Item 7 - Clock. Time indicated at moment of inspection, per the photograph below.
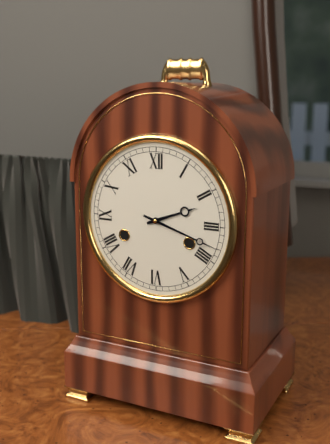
2:18
